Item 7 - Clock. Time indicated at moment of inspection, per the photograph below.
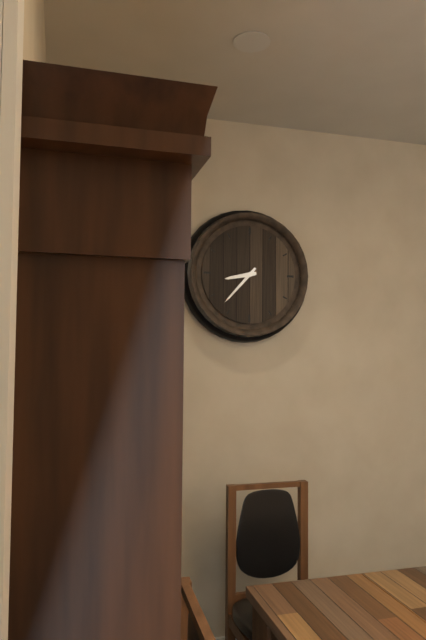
8:37
